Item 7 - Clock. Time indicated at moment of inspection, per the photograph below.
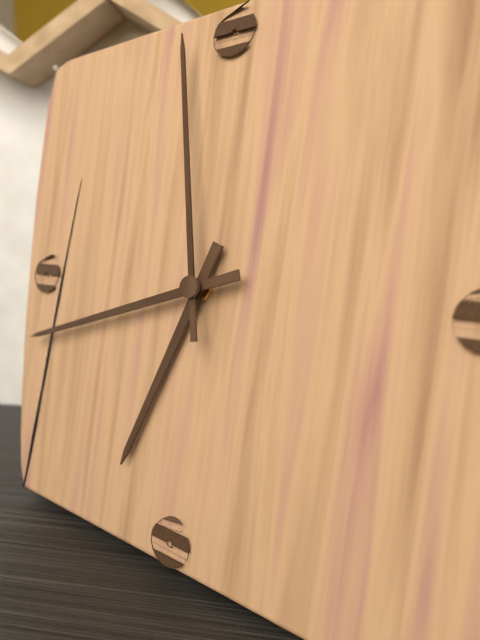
6:42:58
